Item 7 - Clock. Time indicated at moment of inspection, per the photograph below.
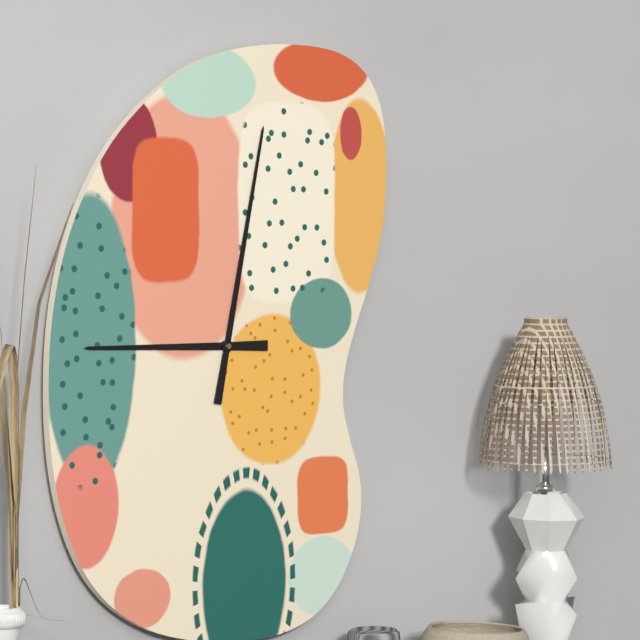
9:02
